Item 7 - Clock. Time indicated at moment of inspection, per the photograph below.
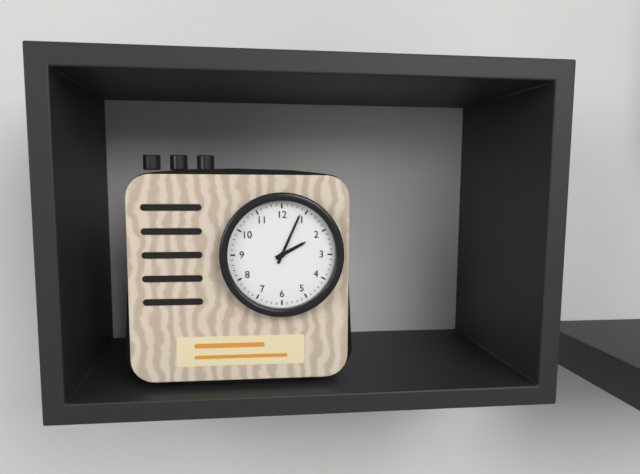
2:04
